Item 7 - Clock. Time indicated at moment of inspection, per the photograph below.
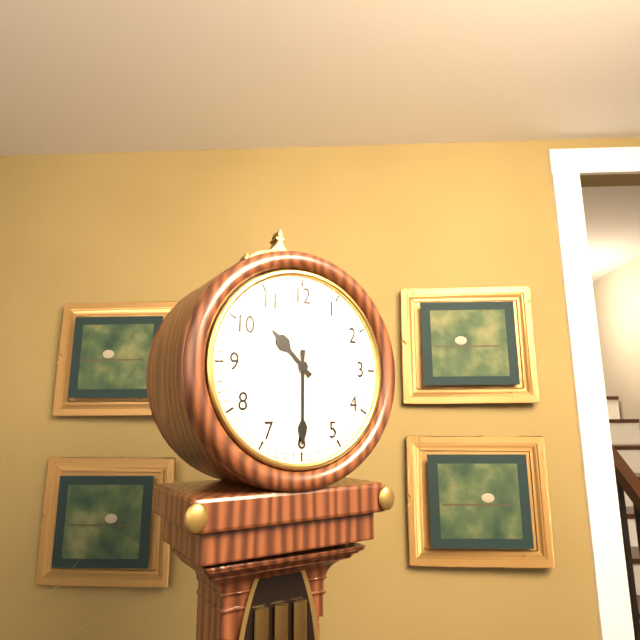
10:30
